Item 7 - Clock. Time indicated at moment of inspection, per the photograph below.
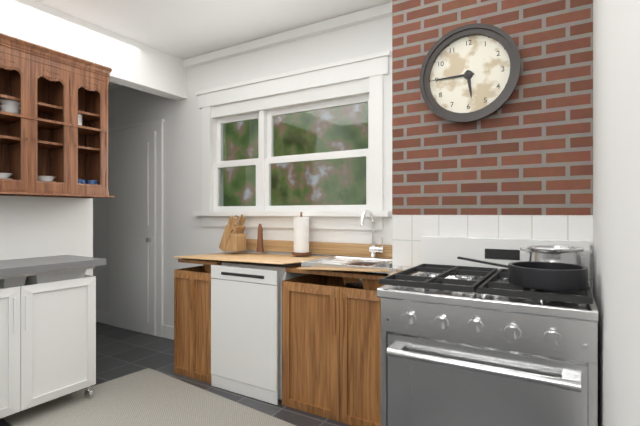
5:45
